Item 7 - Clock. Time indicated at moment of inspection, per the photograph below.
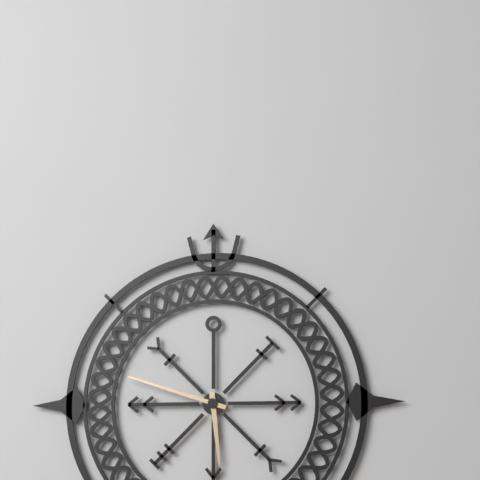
5:48
